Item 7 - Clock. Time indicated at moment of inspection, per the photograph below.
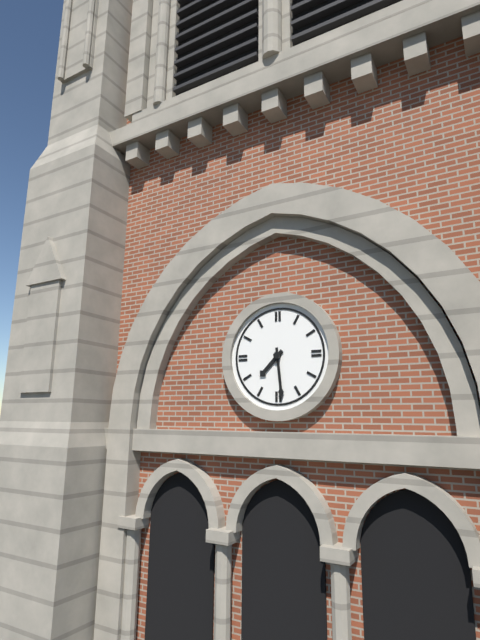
7:29
